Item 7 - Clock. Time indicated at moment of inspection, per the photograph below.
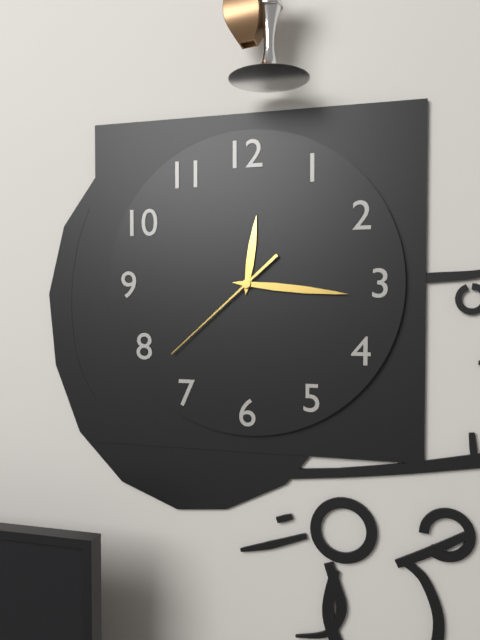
12:16:38
